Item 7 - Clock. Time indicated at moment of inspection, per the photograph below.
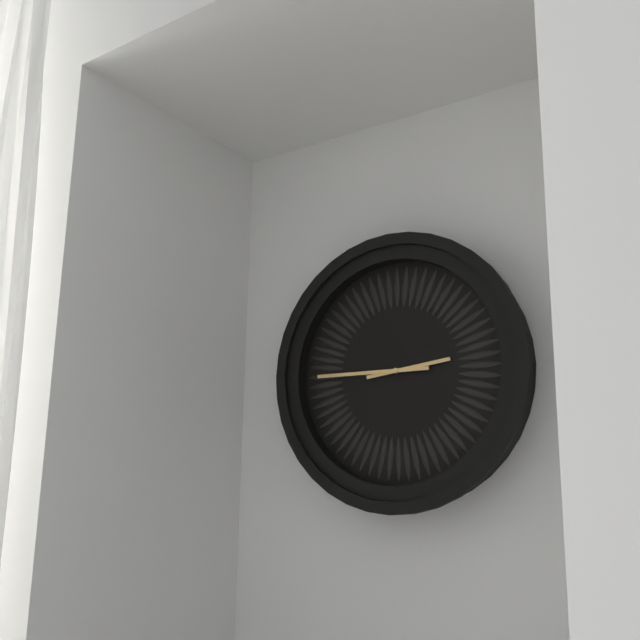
2:45
